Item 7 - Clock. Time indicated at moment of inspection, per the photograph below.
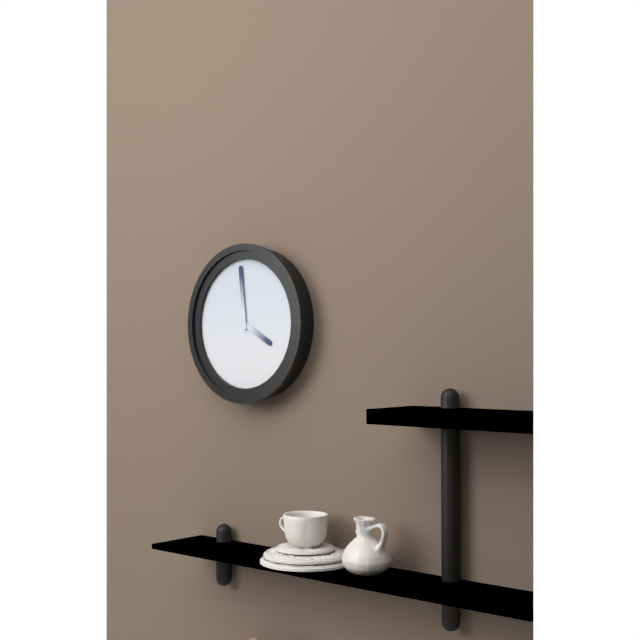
3:59
